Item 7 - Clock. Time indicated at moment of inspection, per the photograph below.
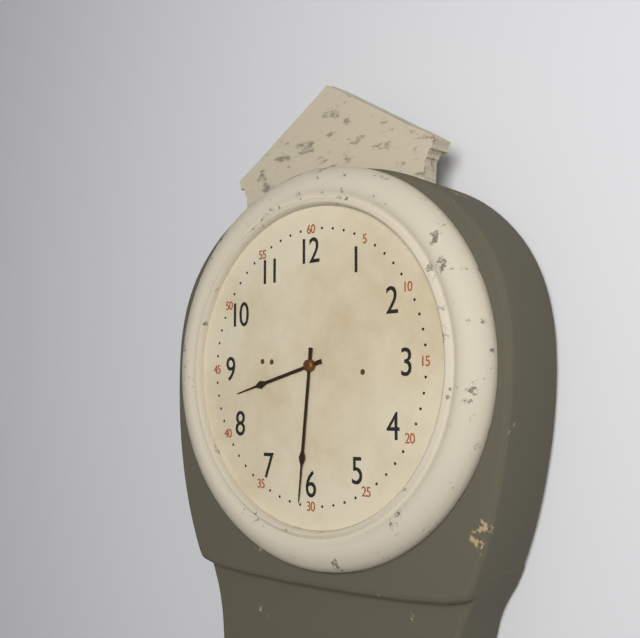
8:31
